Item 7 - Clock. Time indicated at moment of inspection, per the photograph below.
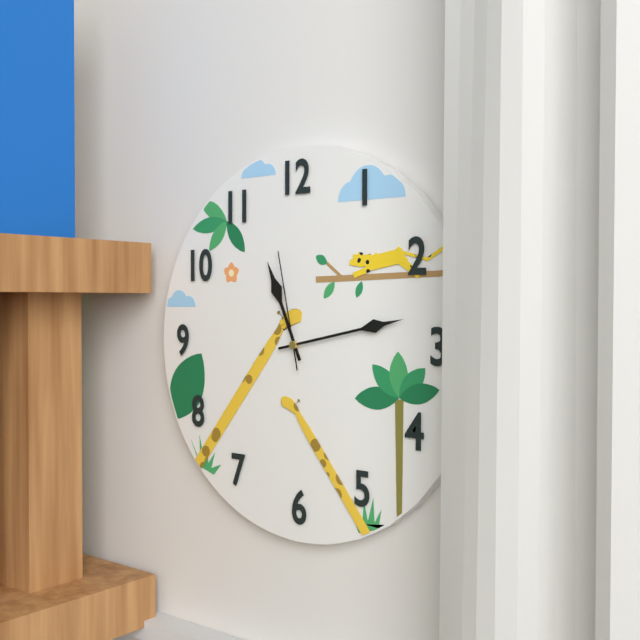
11:13:58
